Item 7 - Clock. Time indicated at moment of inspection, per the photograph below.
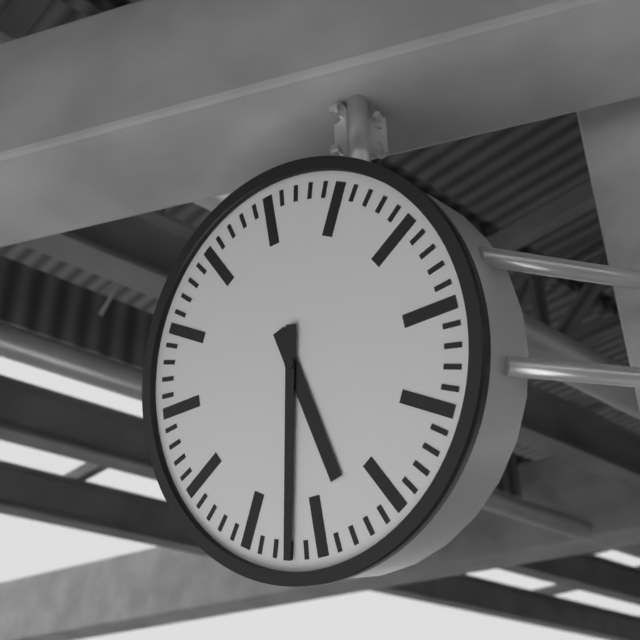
5:32
